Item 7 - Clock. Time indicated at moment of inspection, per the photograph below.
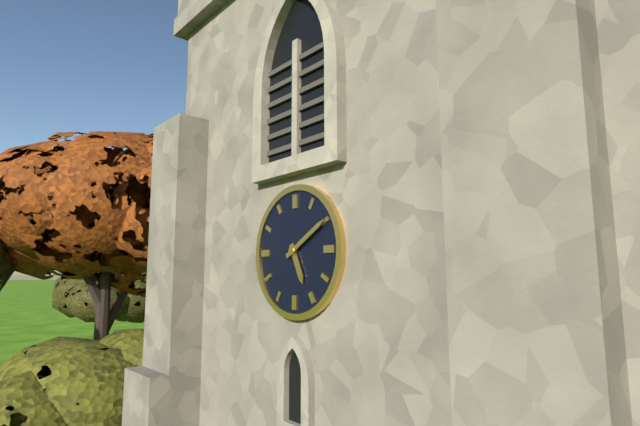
5:10
